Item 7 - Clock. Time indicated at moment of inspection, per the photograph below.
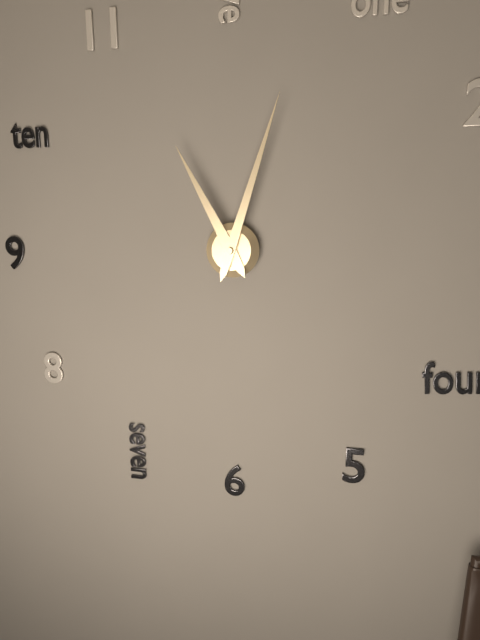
11:03
